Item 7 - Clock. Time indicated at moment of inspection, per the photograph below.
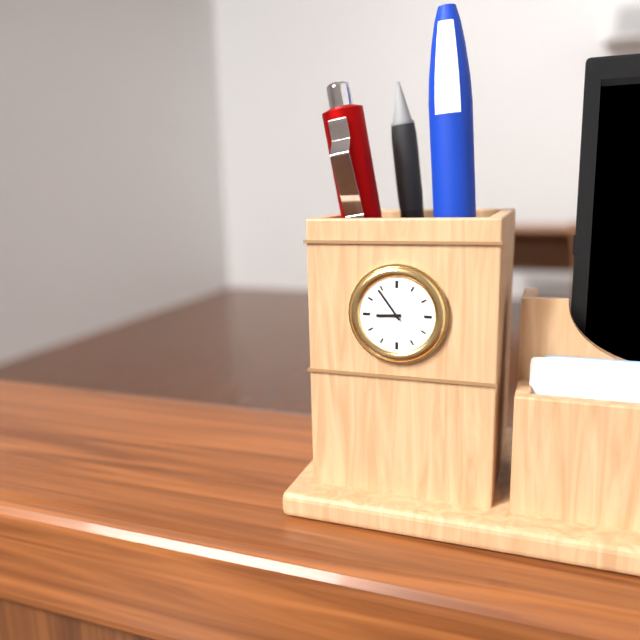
8:54
